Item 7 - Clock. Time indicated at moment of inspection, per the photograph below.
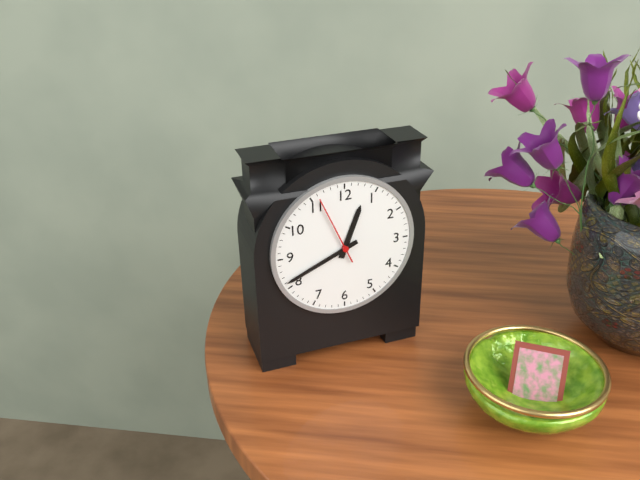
12:41:56
